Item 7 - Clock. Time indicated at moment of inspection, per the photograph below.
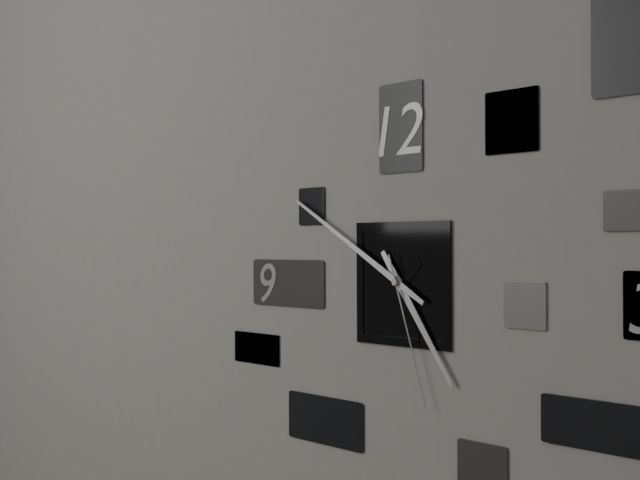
4:50:27
